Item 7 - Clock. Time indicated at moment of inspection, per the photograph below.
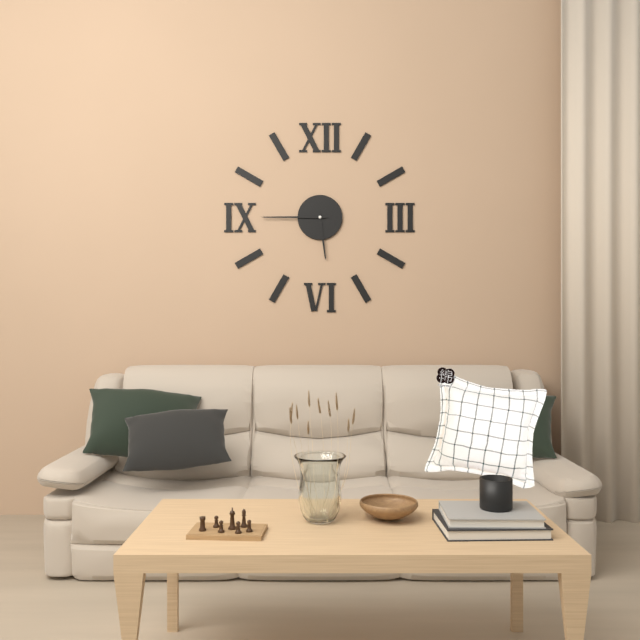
5:45
